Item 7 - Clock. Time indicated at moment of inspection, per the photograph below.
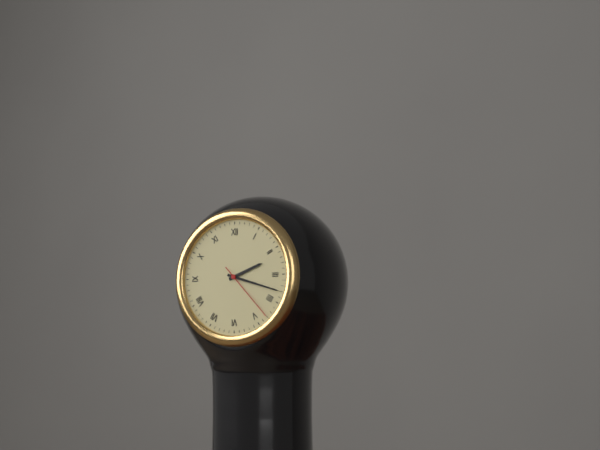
2:18:23
